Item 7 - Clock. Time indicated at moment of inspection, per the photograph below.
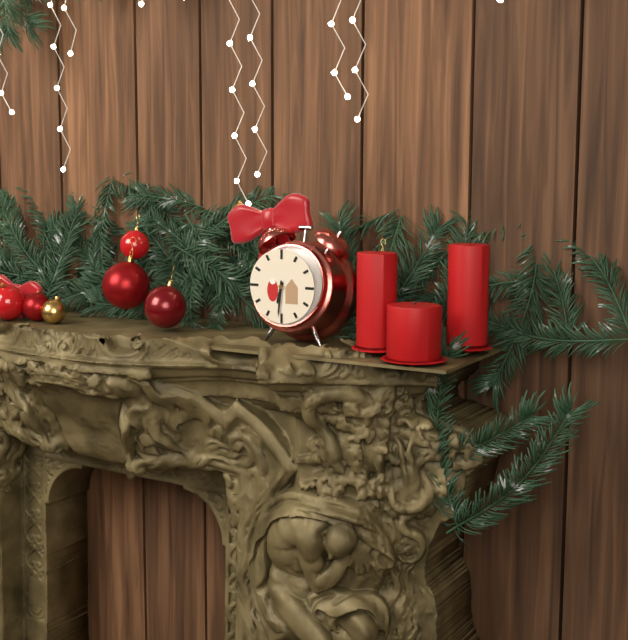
6:31
